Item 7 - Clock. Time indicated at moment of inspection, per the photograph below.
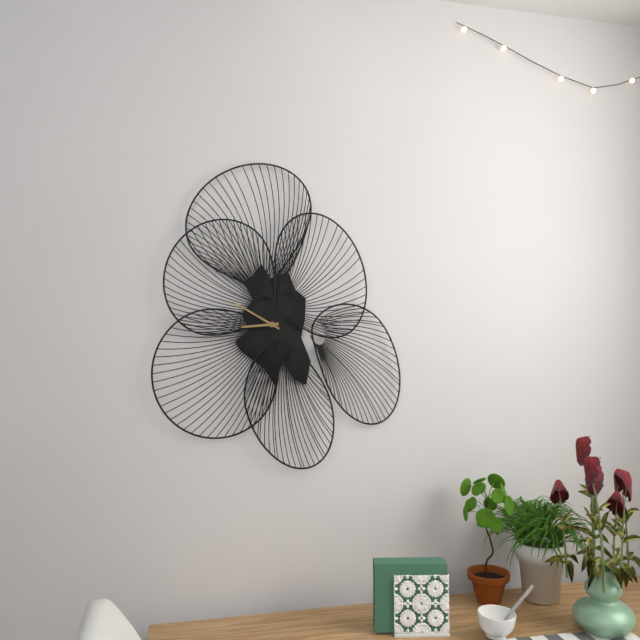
8:50
